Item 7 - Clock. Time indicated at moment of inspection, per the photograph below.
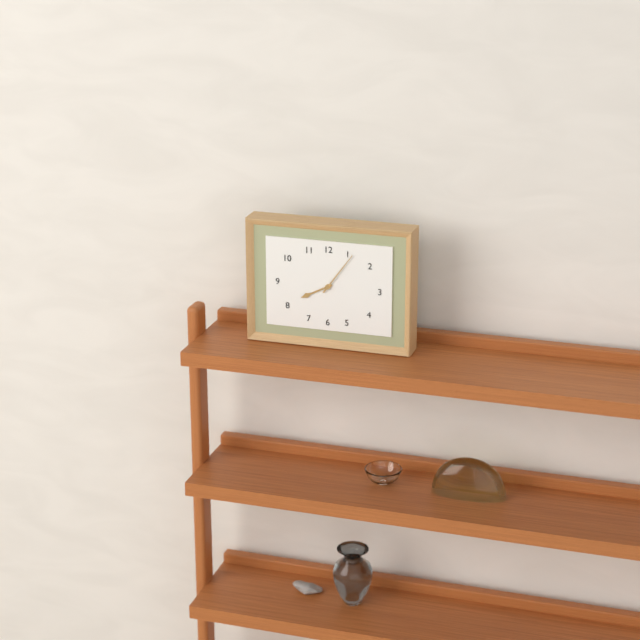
8:06
